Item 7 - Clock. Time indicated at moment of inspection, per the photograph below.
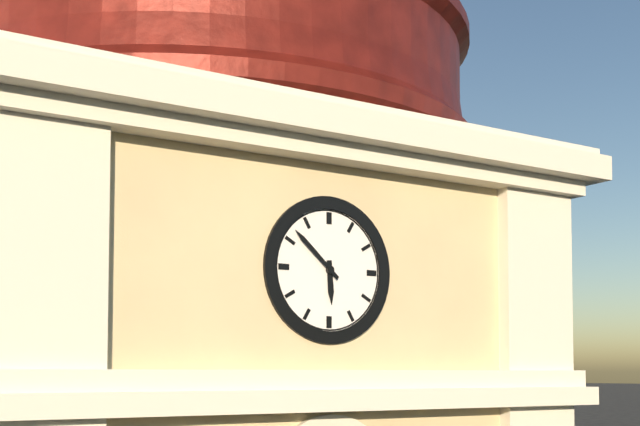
5:52
